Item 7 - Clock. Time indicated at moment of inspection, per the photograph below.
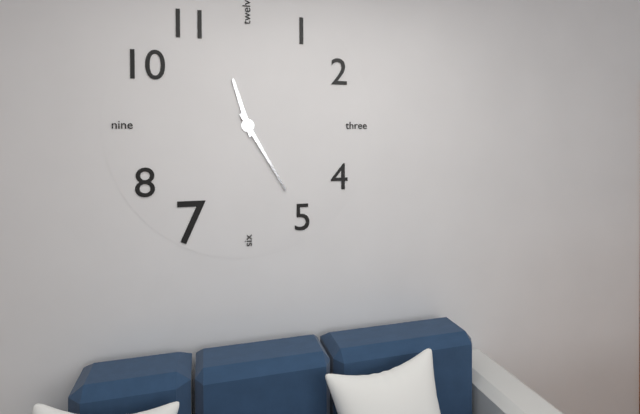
11:25
